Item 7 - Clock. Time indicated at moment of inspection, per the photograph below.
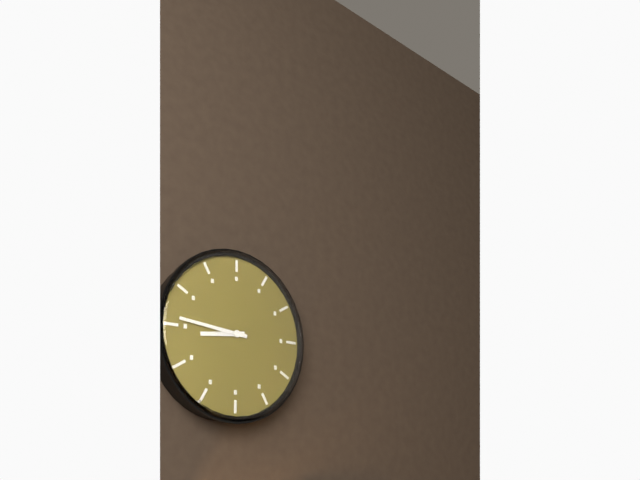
8:46
